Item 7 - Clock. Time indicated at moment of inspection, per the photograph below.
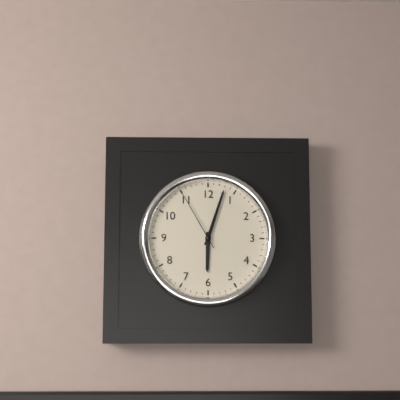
6:03:55
